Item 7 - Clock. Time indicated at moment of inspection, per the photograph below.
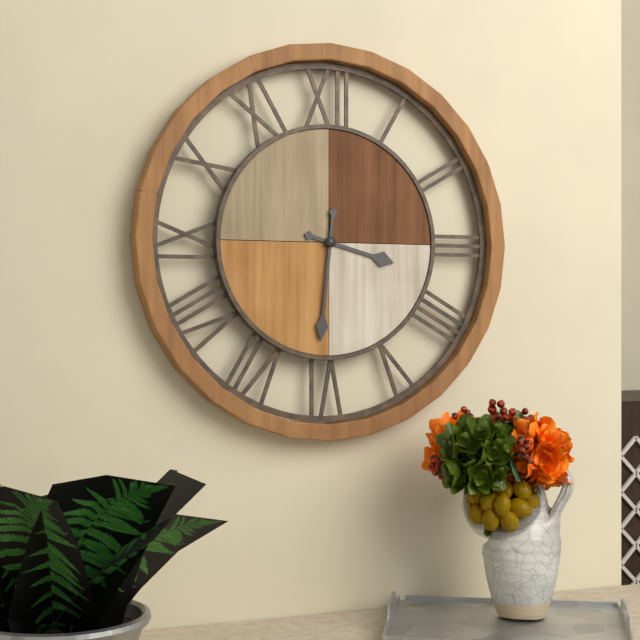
3:31
